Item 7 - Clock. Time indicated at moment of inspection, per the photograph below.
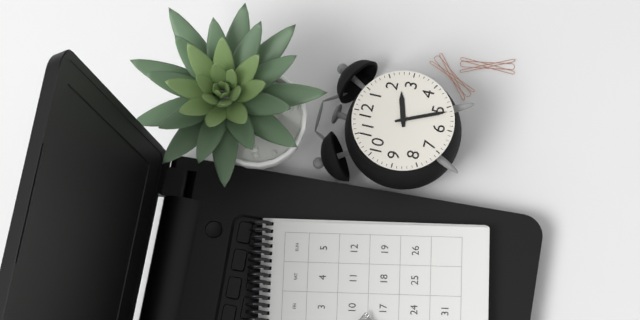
2:26
